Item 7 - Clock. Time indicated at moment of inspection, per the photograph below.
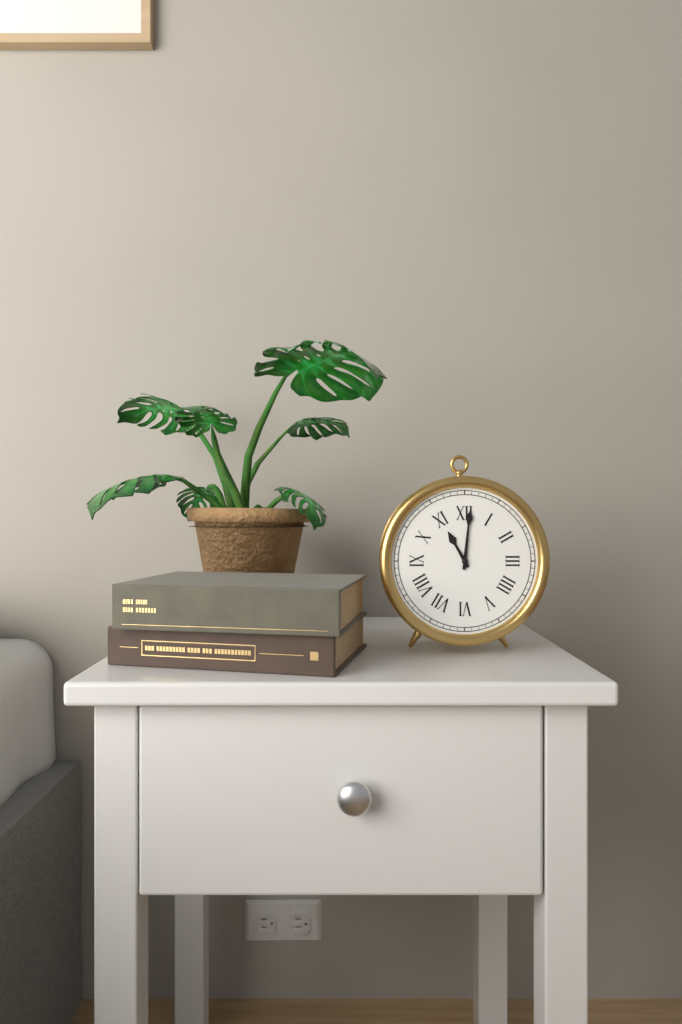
11:01
